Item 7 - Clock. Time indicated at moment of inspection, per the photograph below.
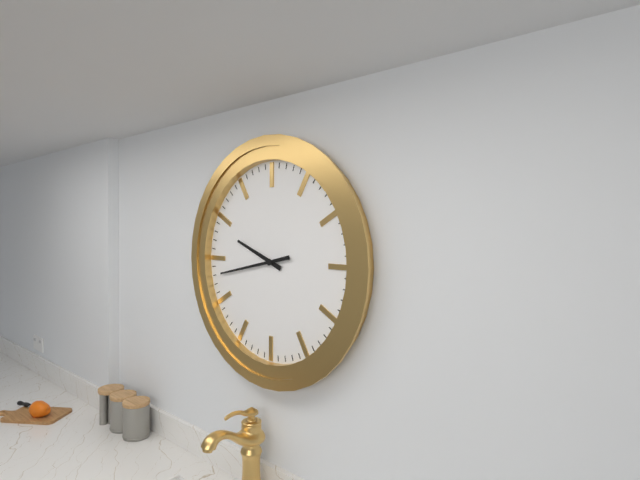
9:43
